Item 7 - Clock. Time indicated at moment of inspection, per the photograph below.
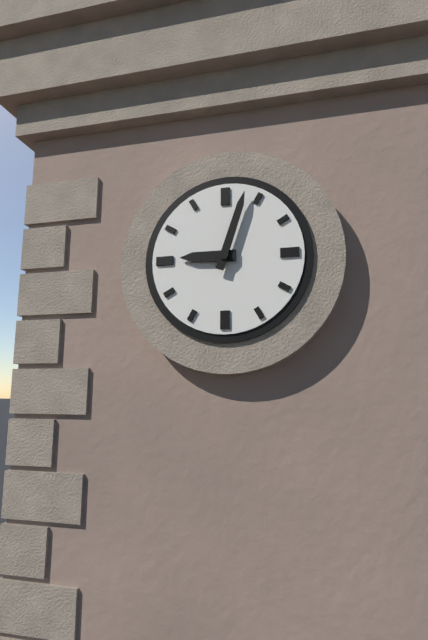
9:03
